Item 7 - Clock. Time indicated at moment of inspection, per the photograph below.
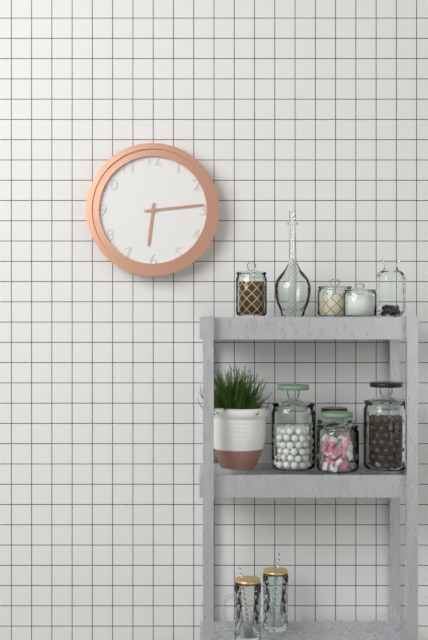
6:14
